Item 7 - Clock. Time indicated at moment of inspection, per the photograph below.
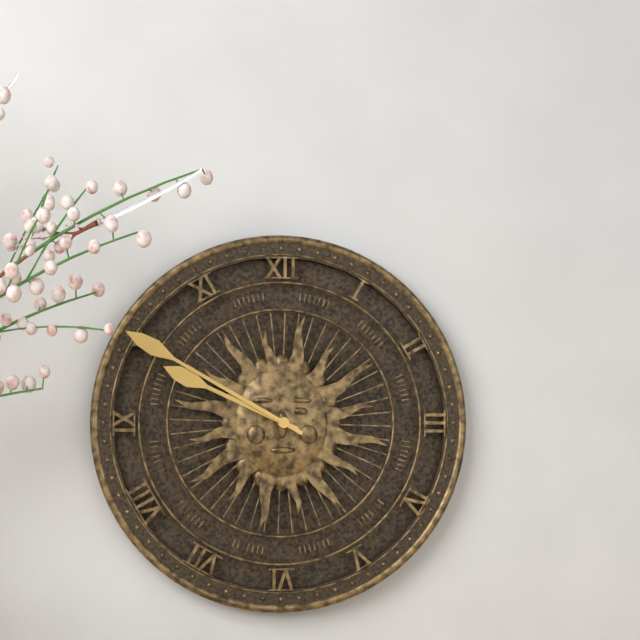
9:50
